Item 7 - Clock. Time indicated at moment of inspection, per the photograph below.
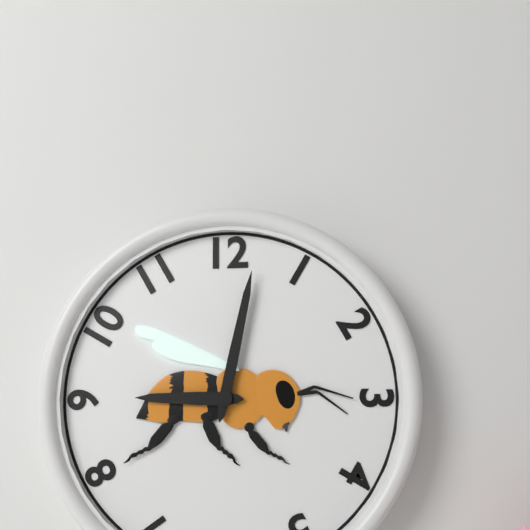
9:02
